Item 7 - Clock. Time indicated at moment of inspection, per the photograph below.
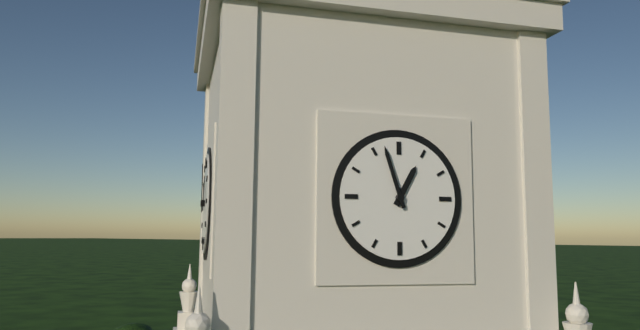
12:57
